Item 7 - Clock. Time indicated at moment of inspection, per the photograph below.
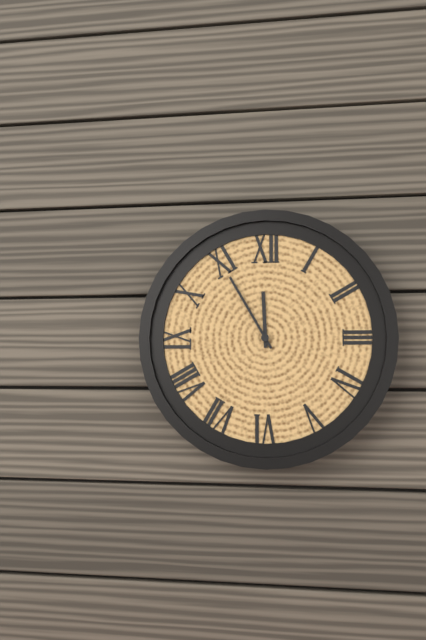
11:55
